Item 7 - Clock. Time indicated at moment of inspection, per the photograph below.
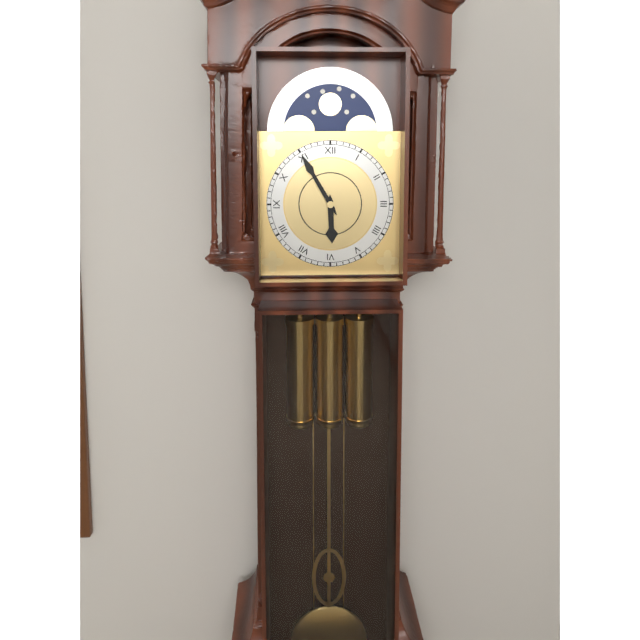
5:55
